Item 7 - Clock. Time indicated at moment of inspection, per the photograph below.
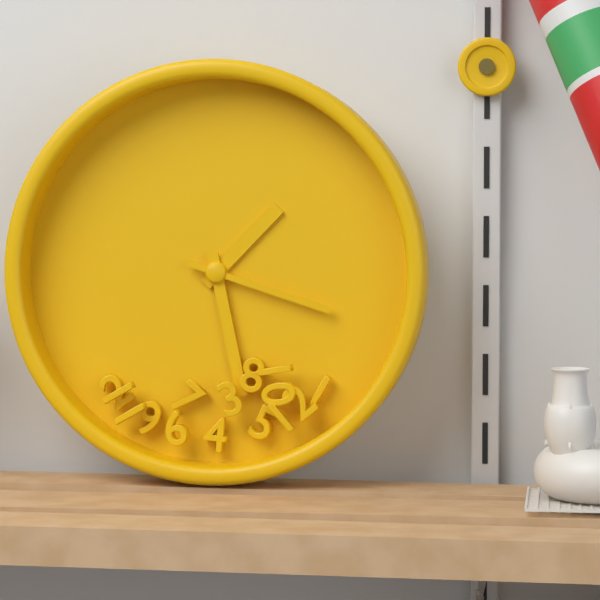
1:28:18
